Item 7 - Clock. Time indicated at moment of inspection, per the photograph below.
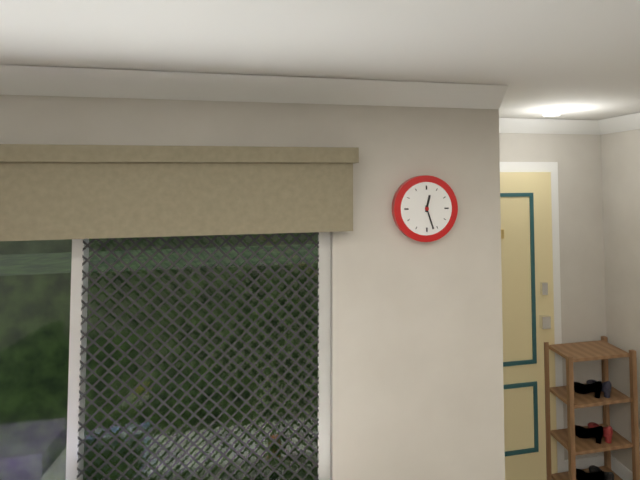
12:27
